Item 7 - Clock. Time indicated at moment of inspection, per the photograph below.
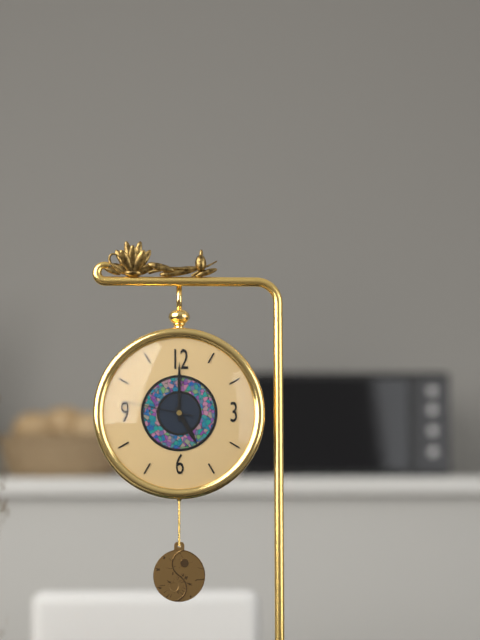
5:00:47
